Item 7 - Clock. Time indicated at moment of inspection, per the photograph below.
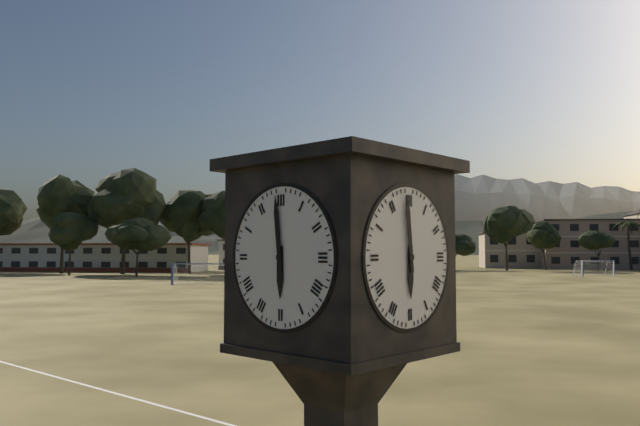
5:59
